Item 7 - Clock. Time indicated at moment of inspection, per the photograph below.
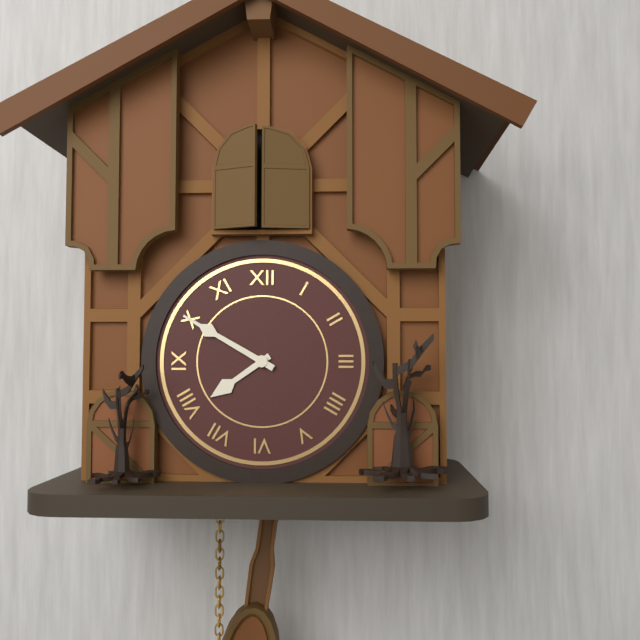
7:50
